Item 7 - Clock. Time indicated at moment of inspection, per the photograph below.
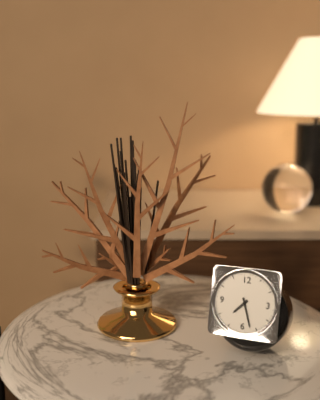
7:27
